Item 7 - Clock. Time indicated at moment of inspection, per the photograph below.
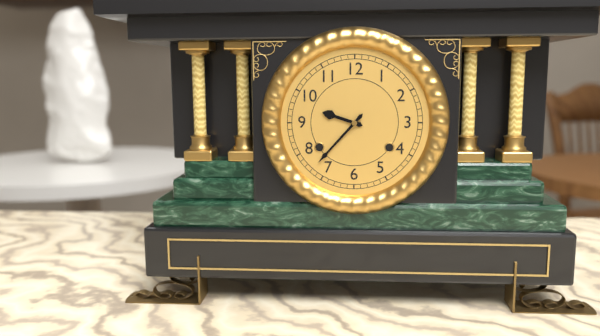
9:37
